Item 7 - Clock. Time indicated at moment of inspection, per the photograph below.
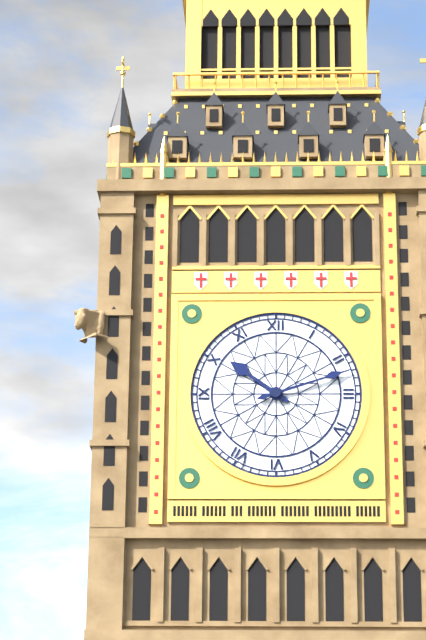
10:12
